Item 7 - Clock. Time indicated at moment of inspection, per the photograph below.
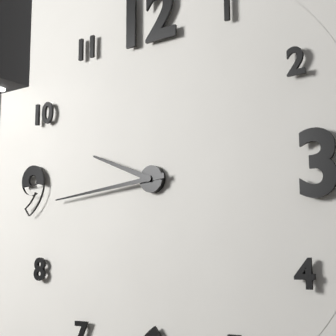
9:44
